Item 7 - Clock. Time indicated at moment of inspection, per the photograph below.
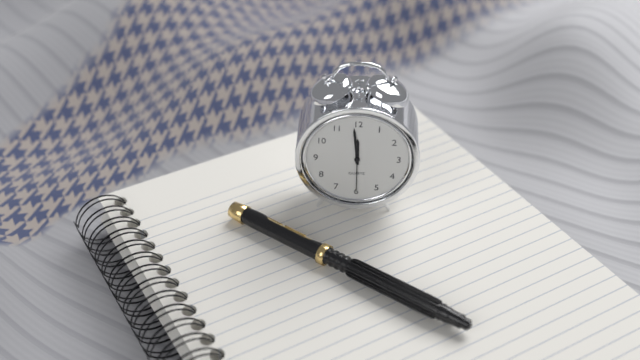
11:59
